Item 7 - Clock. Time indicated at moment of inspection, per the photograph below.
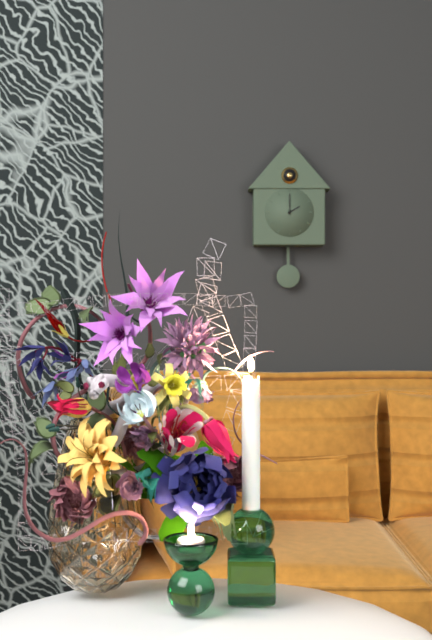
2:00
